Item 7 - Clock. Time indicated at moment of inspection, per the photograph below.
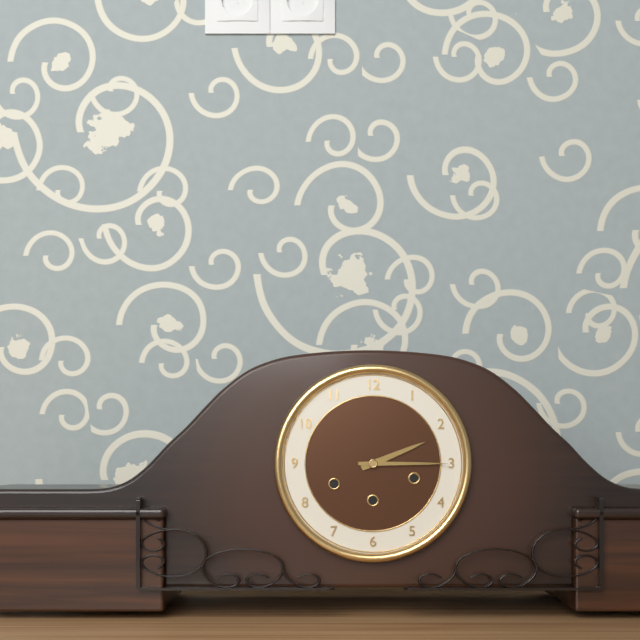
2:15
